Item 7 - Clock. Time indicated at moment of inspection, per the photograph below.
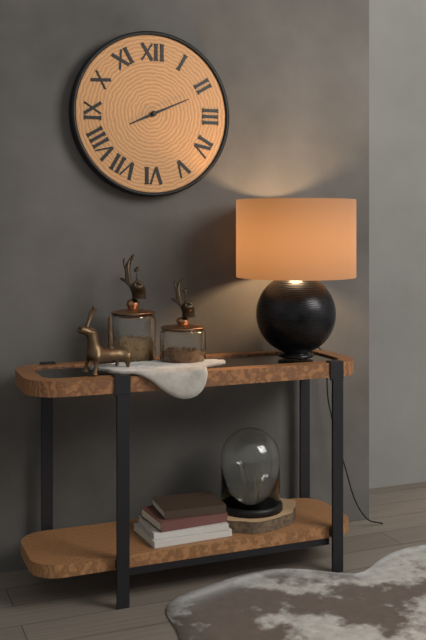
8:11
